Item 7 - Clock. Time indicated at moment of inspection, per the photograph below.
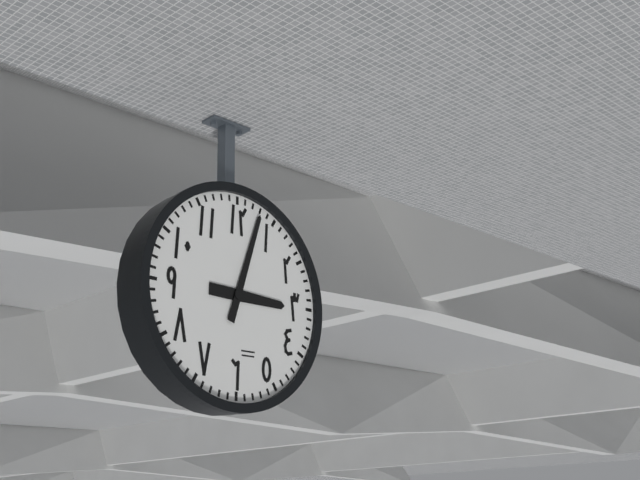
3:03
